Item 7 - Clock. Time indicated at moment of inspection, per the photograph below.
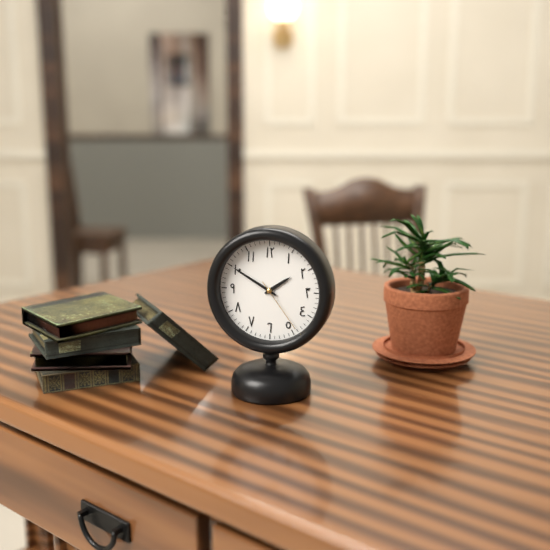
1:50:24
